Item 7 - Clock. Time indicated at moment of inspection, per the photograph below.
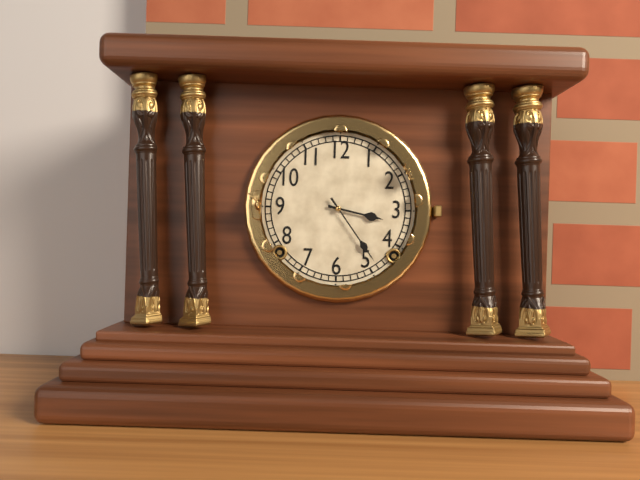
3:24
